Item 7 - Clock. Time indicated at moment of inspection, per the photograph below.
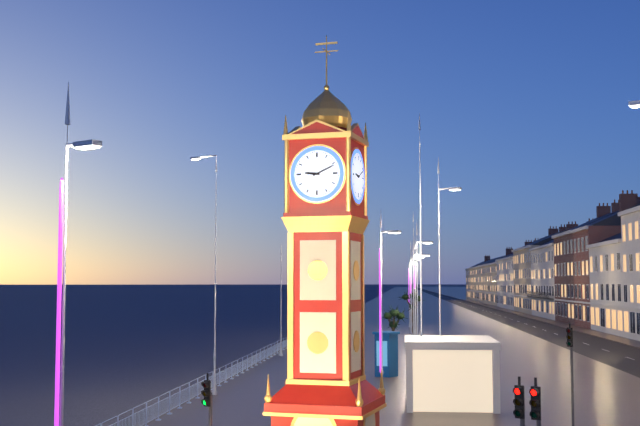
9:11
